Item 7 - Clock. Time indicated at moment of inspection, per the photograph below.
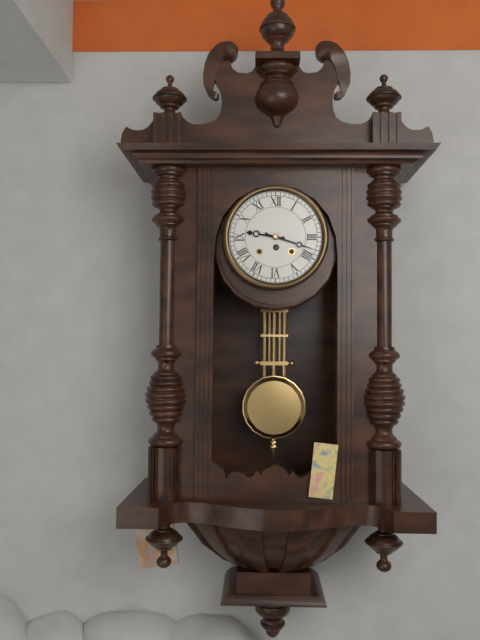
9:18
